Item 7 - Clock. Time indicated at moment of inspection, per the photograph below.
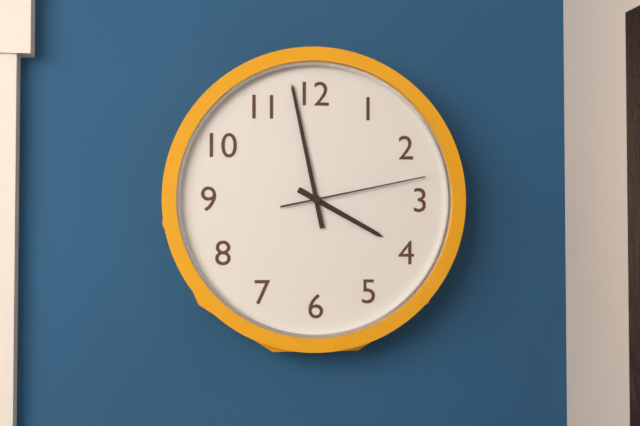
3:58:13
